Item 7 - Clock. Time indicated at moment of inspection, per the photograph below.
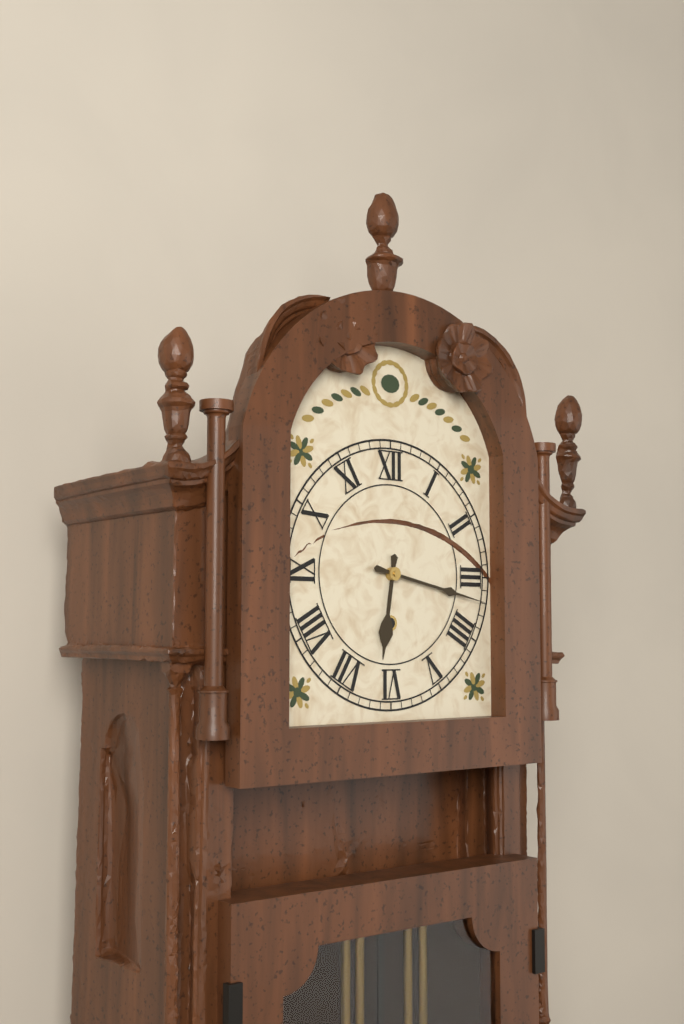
6:17
